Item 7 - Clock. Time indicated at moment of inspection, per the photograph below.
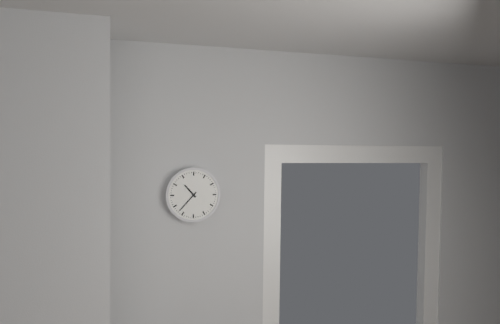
10:37
